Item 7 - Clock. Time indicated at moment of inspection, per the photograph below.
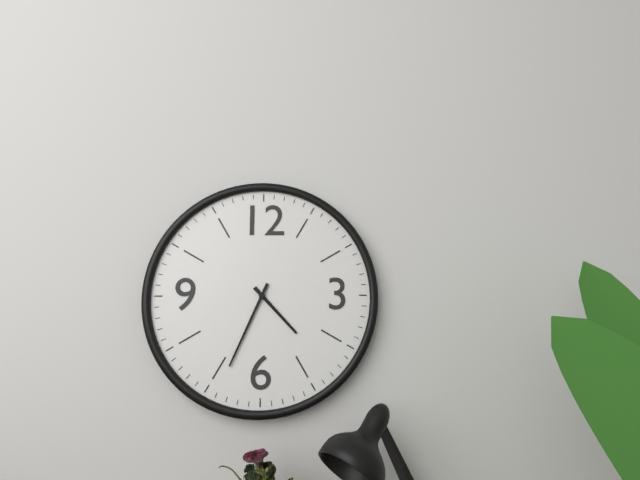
4:34
